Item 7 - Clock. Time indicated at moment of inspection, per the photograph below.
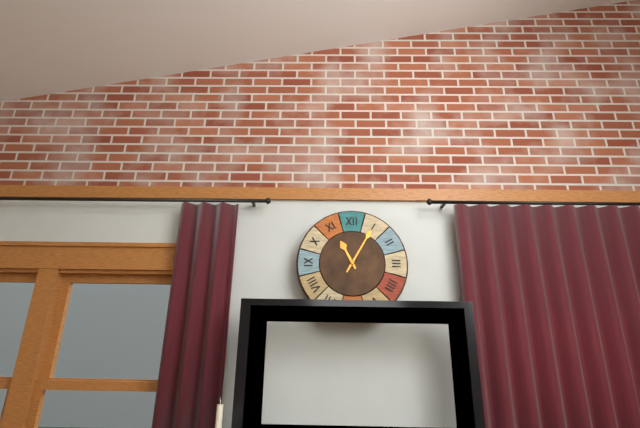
11:05
